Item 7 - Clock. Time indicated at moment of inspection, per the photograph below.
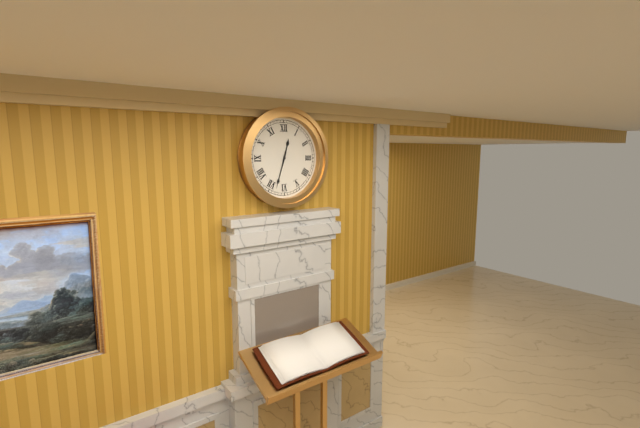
12:33
